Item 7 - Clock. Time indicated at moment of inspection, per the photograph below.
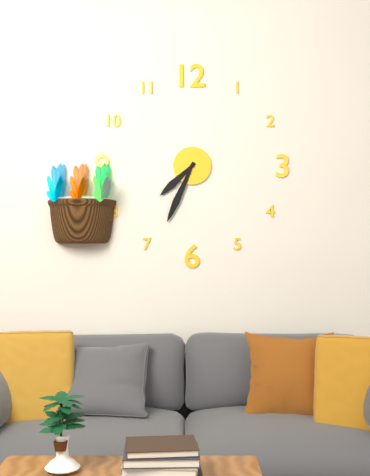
7:34
